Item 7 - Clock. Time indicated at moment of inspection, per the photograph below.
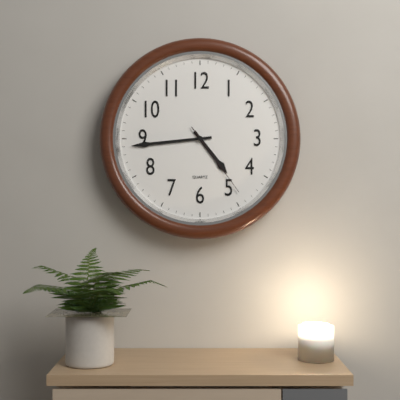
4:44:24
